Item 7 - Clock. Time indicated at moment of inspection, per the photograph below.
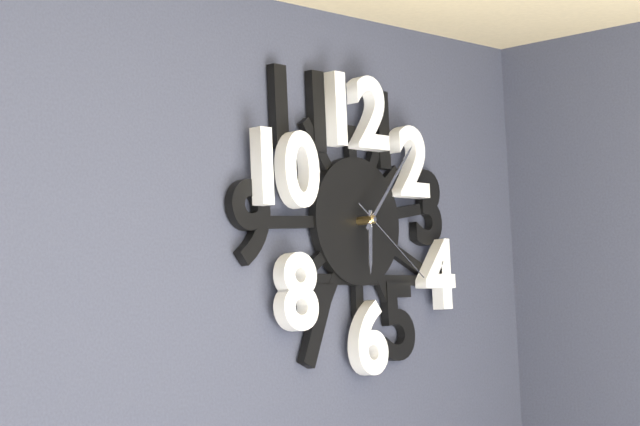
6:07:21
